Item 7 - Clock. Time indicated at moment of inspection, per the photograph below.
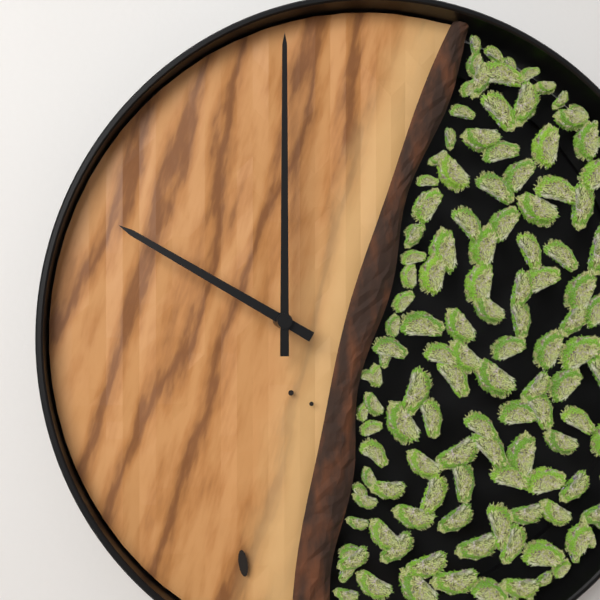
10:00
